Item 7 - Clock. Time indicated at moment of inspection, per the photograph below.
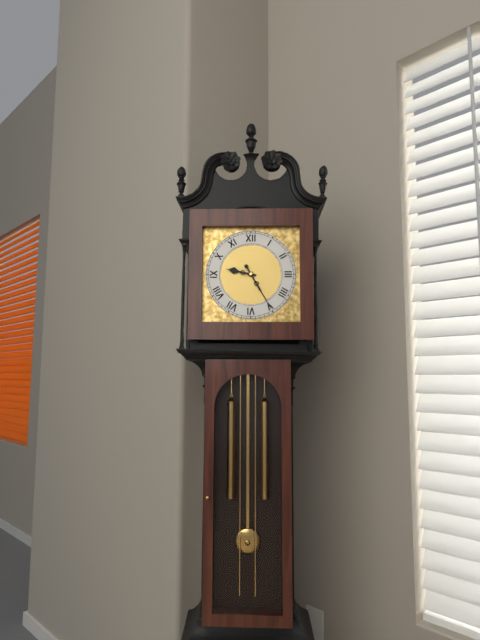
9:25
